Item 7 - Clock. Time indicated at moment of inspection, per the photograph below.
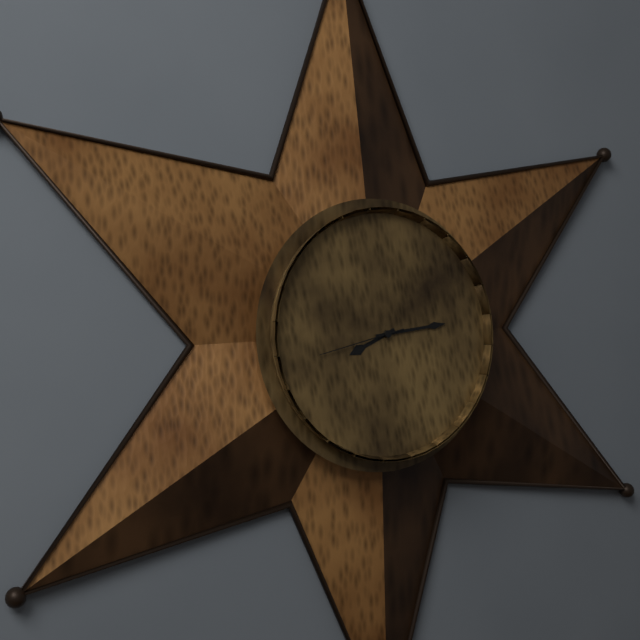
8:14:43
